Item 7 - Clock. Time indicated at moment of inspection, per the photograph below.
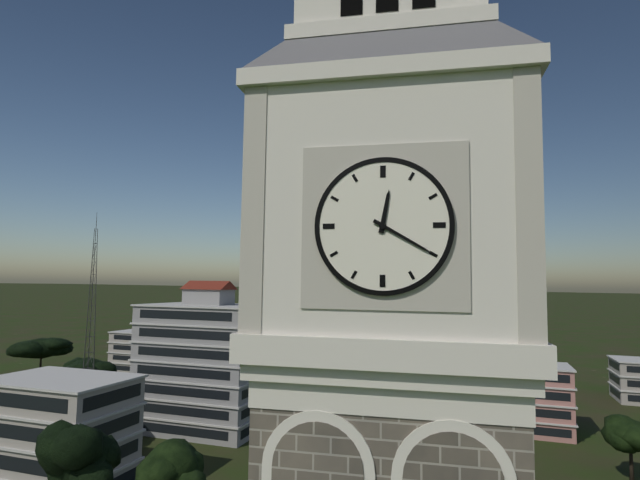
12:20
